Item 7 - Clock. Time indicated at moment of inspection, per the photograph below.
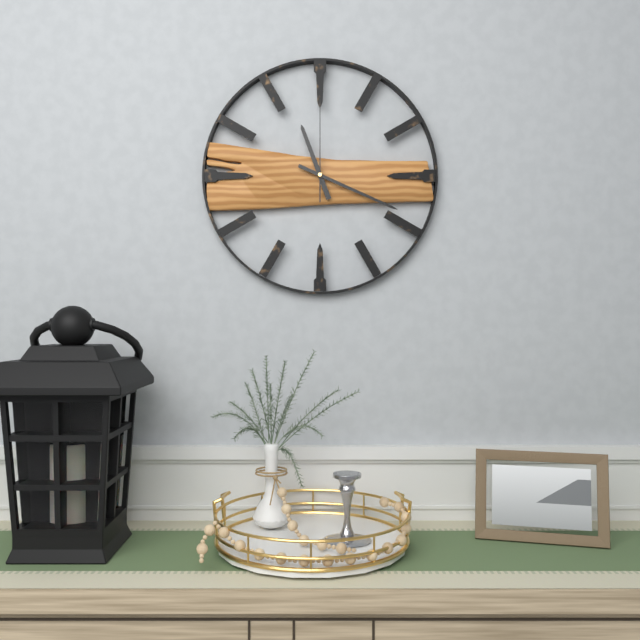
11:19:00
